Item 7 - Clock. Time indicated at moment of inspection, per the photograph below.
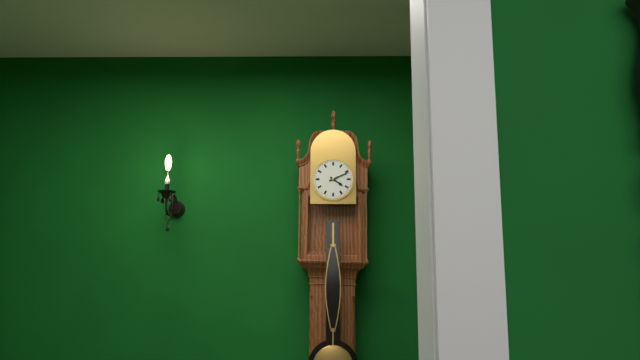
4:11
